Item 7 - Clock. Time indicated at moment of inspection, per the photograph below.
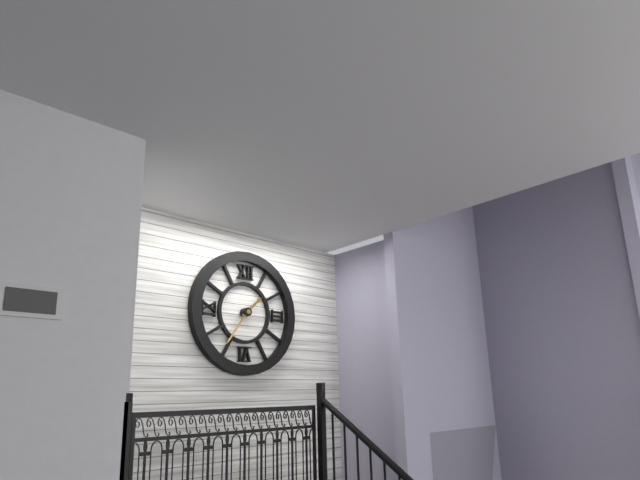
1:36
